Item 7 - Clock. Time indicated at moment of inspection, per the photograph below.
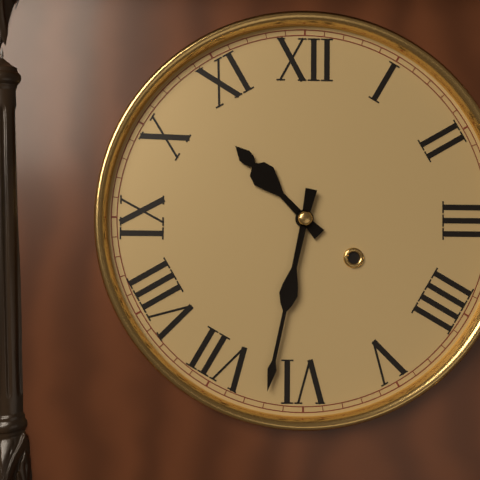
10:32
